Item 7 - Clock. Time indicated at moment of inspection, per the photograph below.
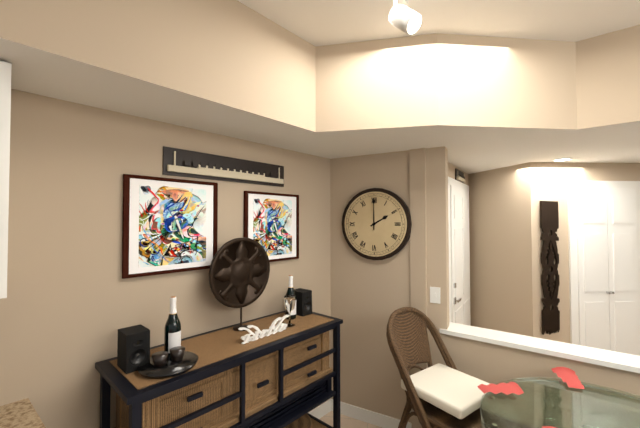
2:00
